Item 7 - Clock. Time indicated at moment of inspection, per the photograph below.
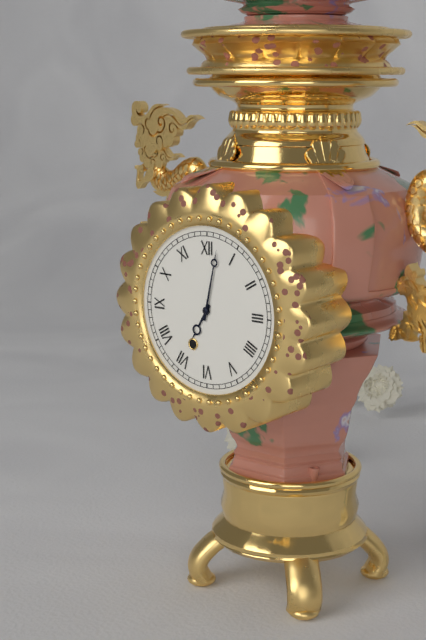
7:02
